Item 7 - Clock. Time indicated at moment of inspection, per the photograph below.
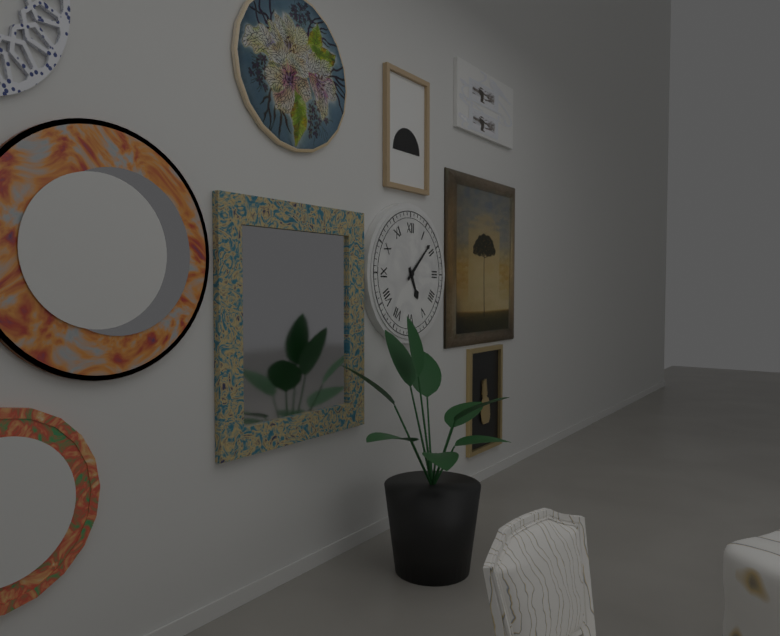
5:08
